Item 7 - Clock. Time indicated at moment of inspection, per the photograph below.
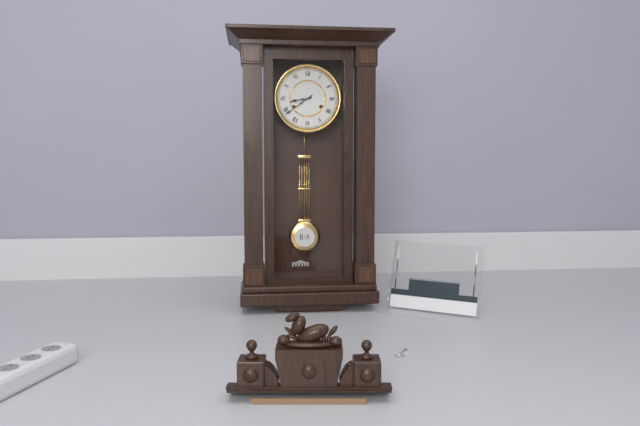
8:39
